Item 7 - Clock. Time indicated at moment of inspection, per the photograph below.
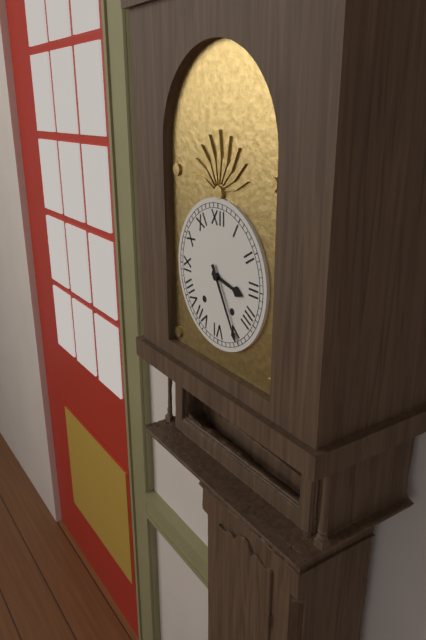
3:25
